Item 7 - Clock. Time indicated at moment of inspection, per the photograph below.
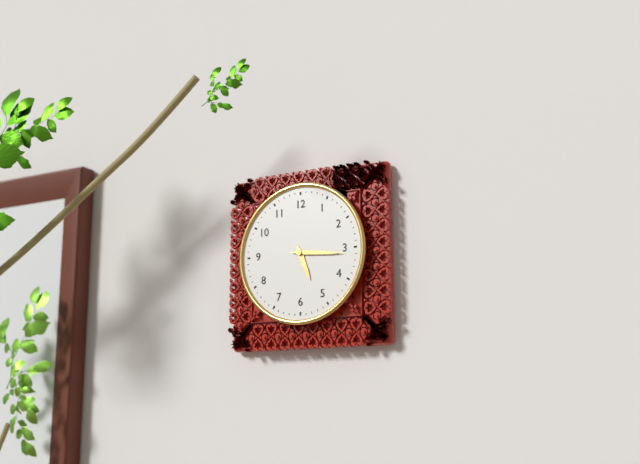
5:16
